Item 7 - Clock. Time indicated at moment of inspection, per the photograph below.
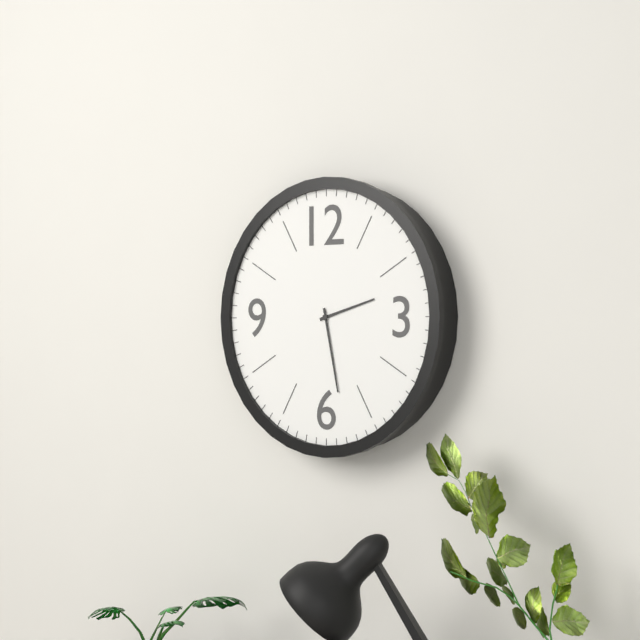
2:28
